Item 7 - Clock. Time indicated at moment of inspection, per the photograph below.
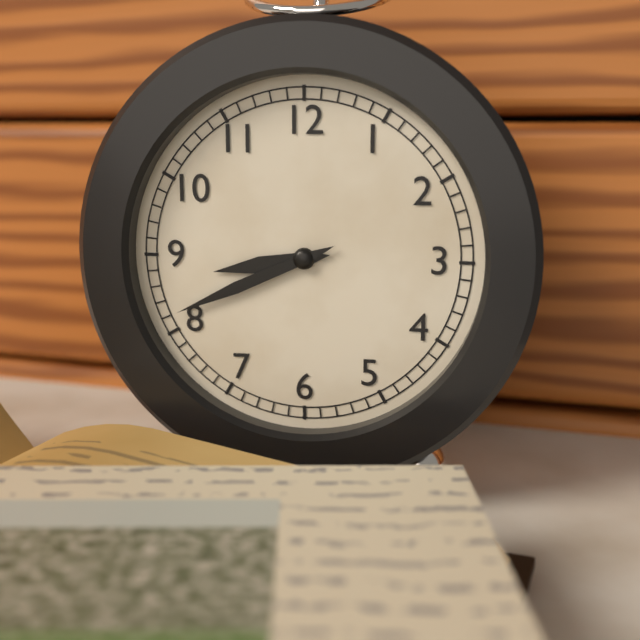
8:41
